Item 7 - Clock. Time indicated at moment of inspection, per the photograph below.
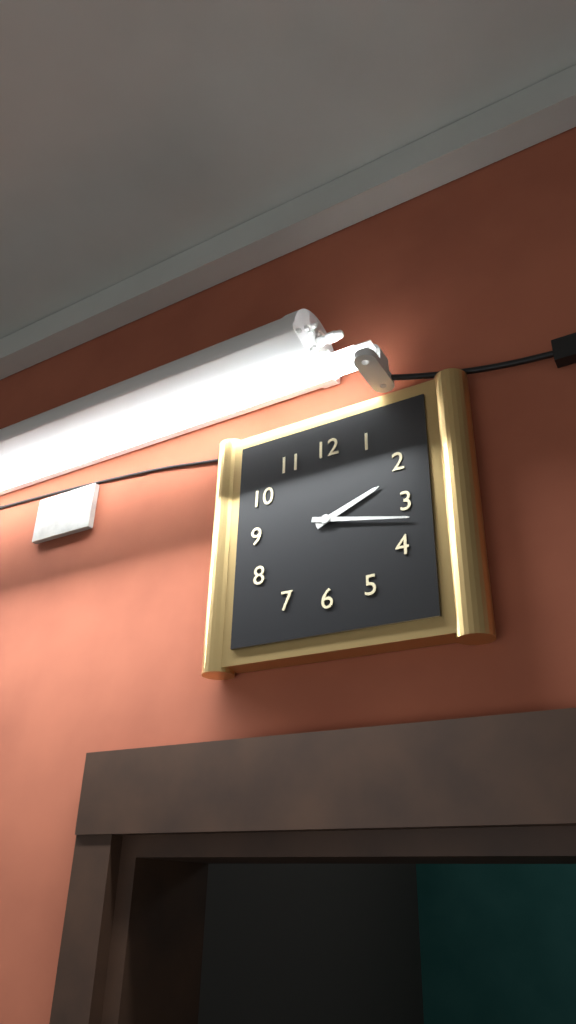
2:17
